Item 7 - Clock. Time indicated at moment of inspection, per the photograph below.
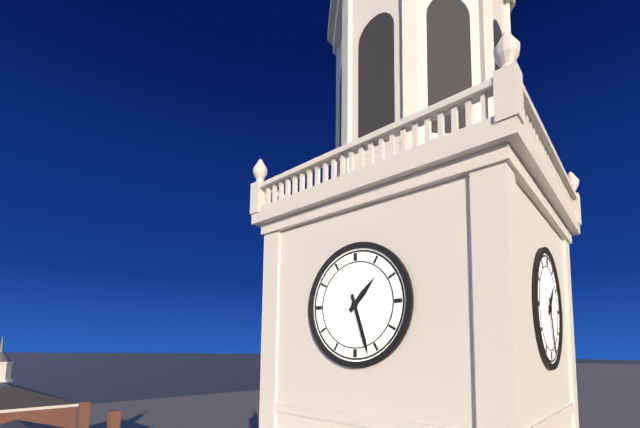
1:27
